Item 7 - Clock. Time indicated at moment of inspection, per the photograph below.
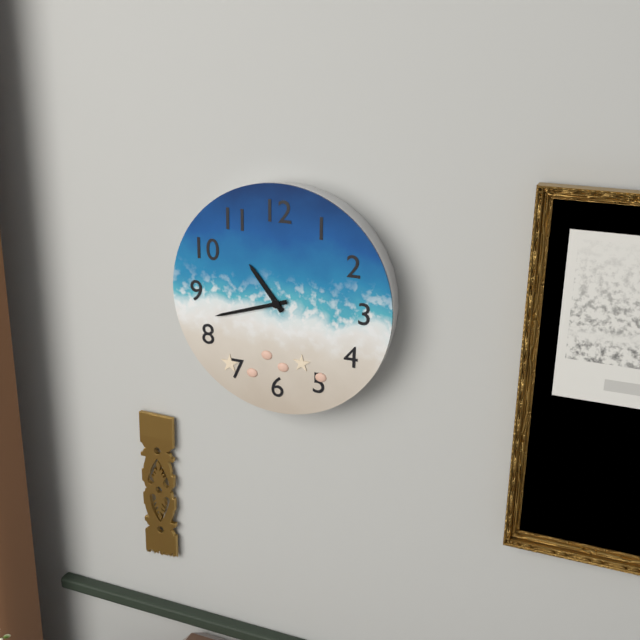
10:42
